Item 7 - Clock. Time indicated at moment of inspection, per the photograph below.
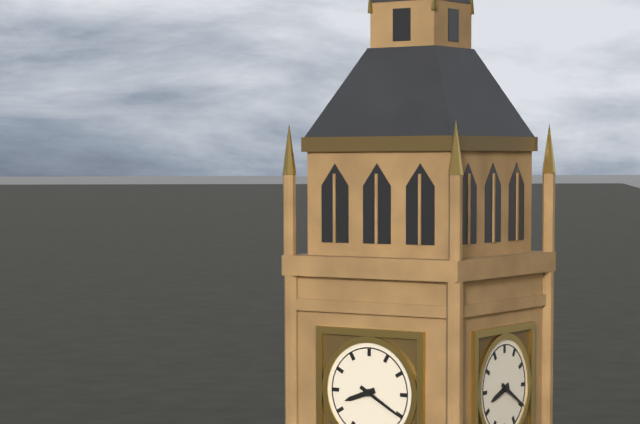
8:20
